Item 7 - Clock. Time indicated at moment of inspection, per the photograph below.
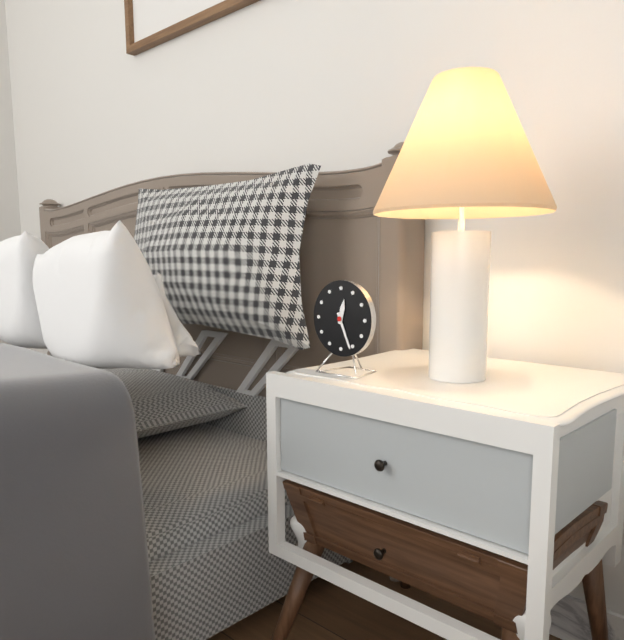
12:26
